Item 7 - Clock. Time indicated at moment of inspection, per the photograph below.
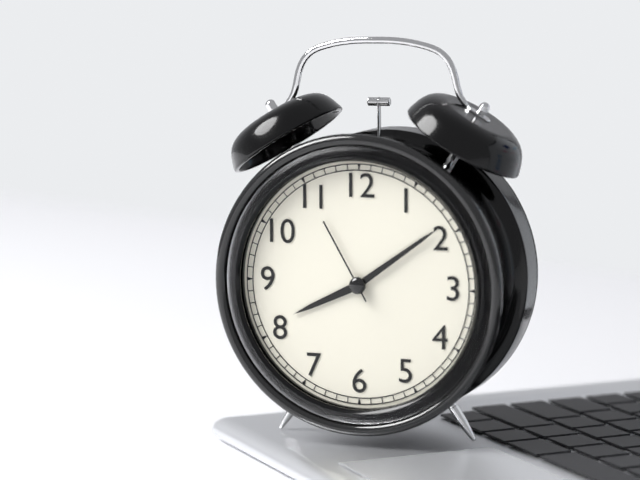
8:09:55
